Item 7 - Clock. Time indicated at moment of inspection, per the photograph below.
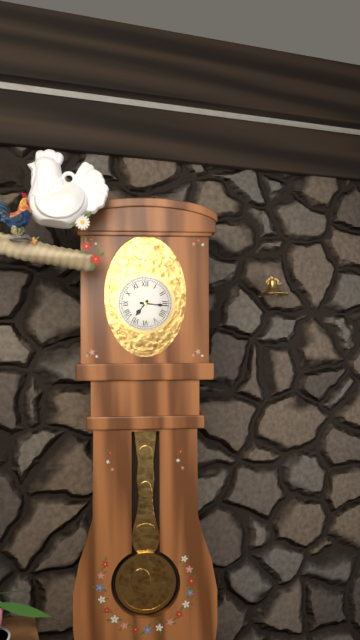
7:16
